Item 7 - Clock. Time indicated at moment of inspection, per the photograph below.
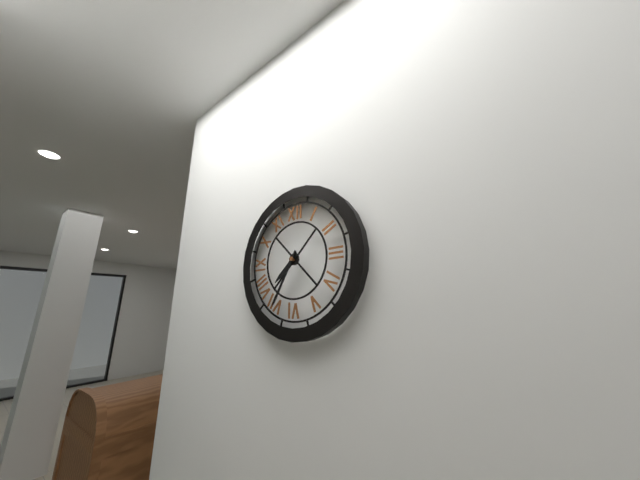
7:35
